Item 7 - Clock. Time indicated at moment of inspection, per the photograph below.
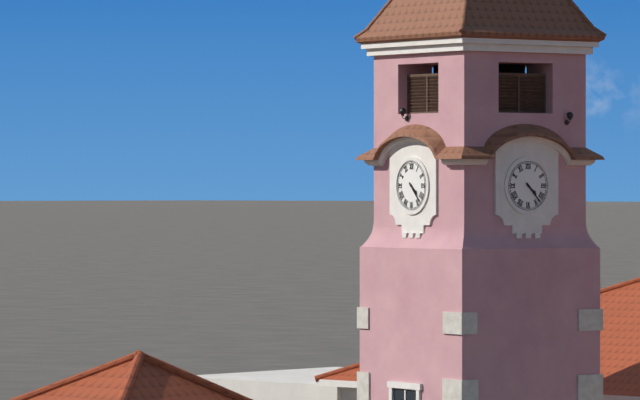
4:23
